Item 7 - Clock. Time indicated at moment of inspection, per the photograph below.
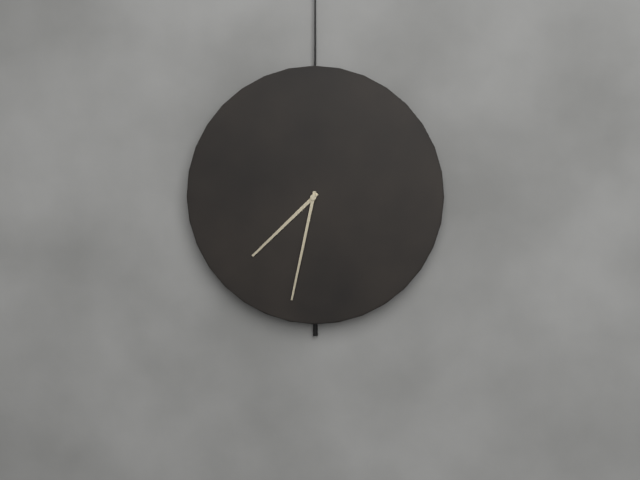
7:32
